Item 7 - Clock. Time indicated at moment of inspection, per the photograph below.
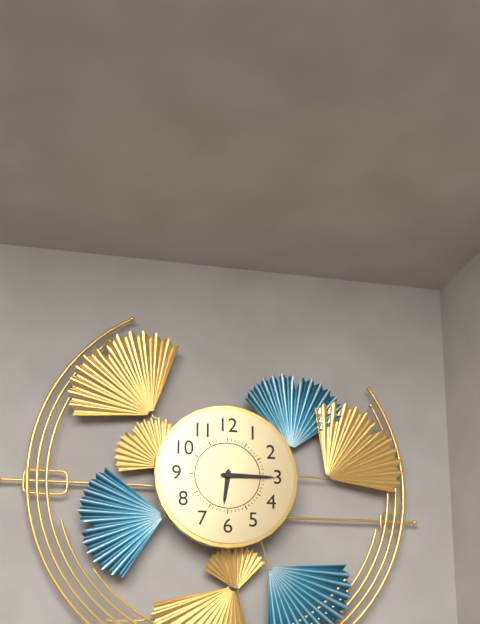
6:15
